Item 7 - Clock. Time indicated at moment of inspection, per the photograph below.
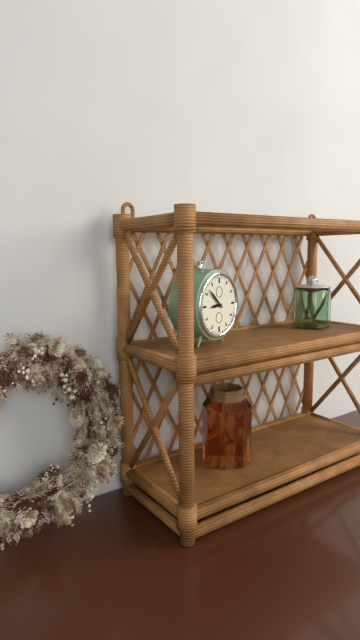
8:52
